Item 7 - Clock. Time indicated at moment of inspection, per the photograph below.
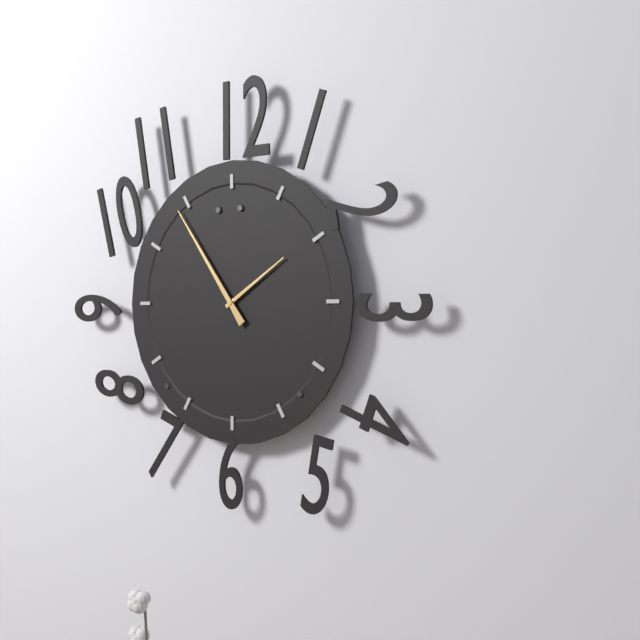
1:54
